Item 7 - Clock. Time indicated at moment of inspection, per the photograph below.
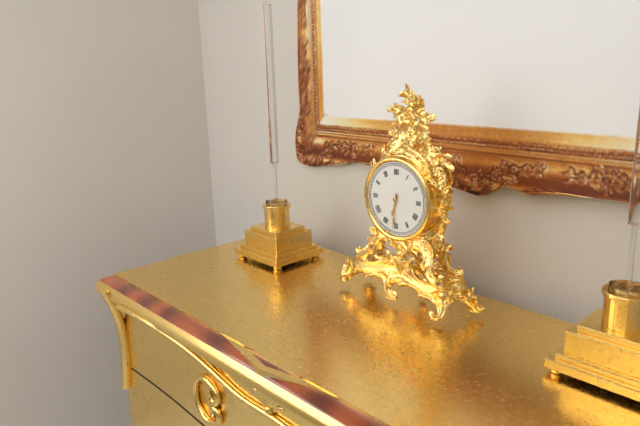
6:31
